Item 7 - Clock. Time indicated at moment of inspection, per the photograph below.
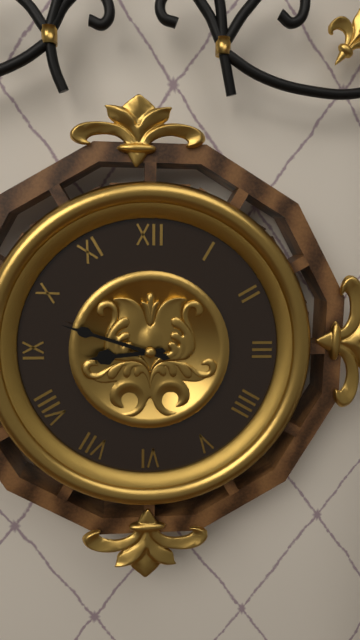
8:48
